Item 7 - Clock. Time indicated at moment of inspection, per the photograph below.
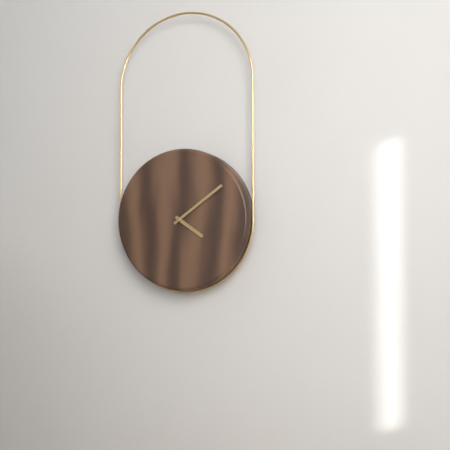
4:09
